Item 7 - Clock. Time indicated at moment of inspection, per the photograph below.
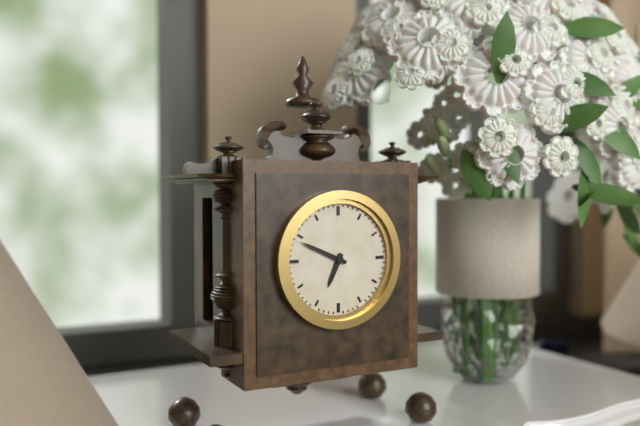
6:49
